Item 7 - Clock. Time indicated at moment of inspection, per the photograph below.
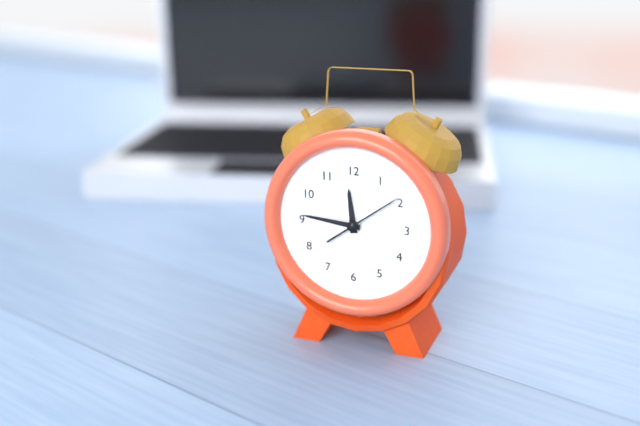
11:46:09
